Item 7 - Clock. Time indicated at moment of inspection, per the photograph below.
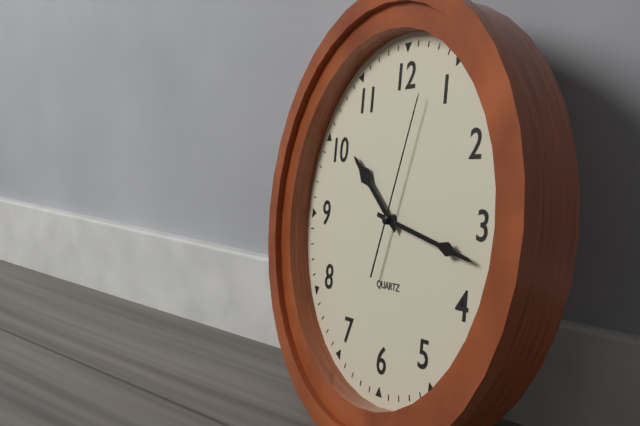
10:17:03
